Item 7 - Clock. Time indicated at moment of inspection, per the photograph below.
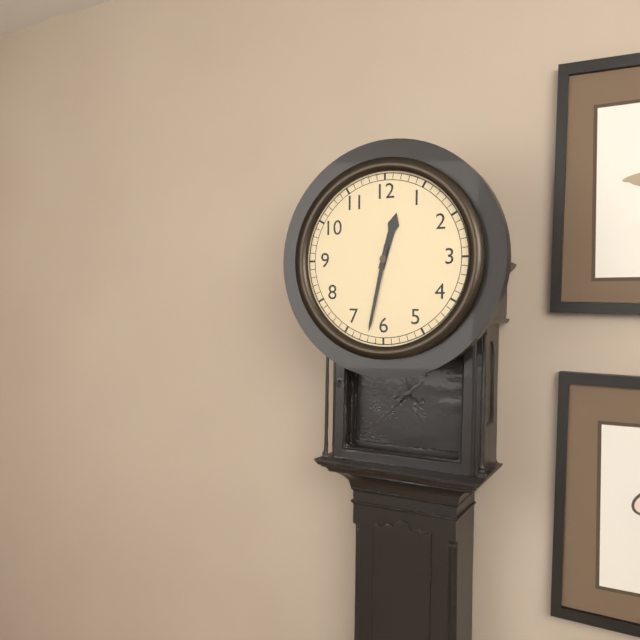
12:32
